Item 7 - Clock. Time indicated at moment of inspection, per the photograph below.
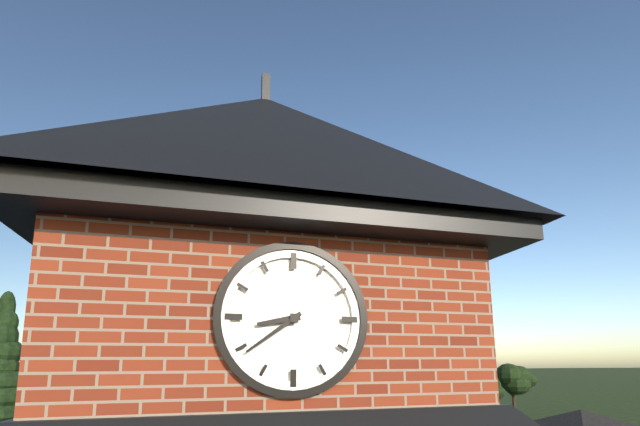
8:39
